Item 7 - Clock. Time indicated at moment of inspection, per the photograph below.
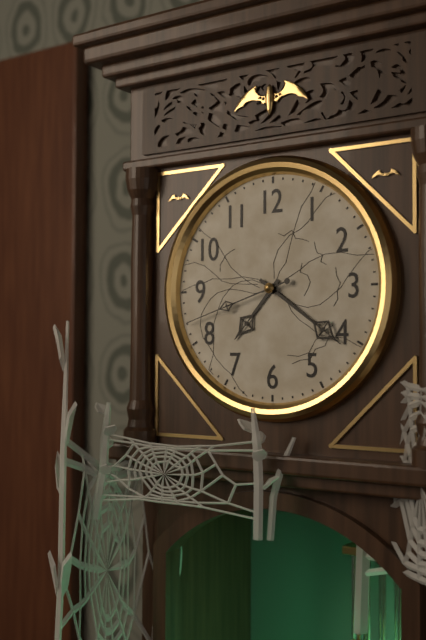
7:21:42
